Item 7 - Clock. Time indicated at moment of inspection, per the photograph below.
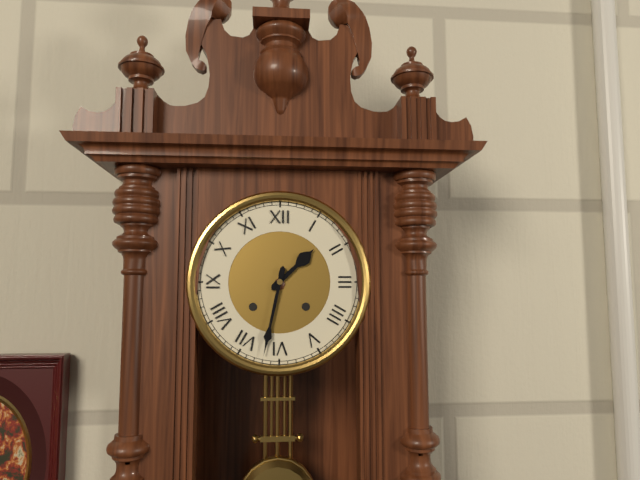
1:32
